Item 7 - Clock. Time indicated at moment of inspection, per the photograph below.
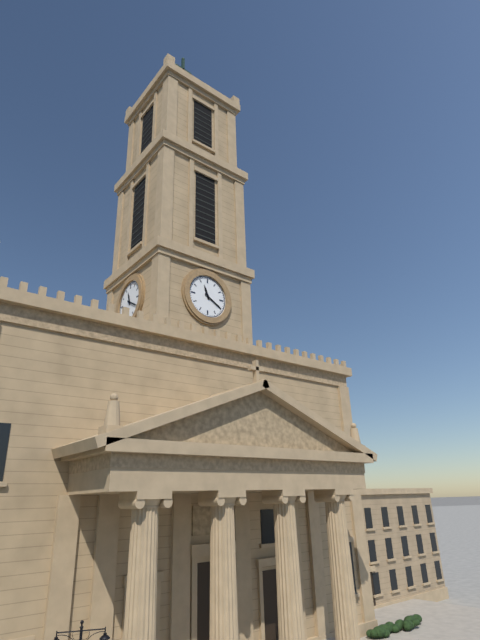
11:20
